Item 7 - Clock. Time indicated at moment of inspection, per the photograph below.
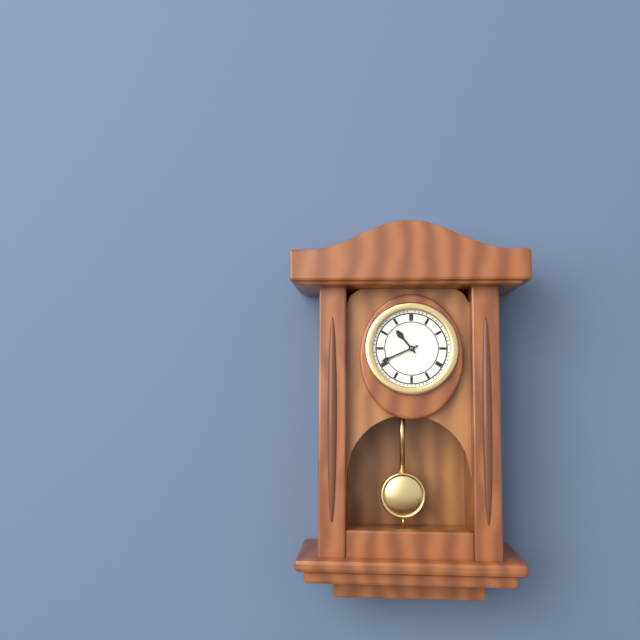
10:41
